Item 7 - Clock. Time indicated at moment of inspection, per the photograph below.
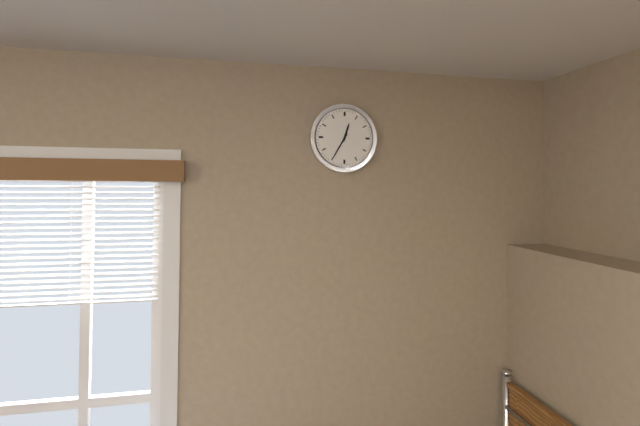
12:35
